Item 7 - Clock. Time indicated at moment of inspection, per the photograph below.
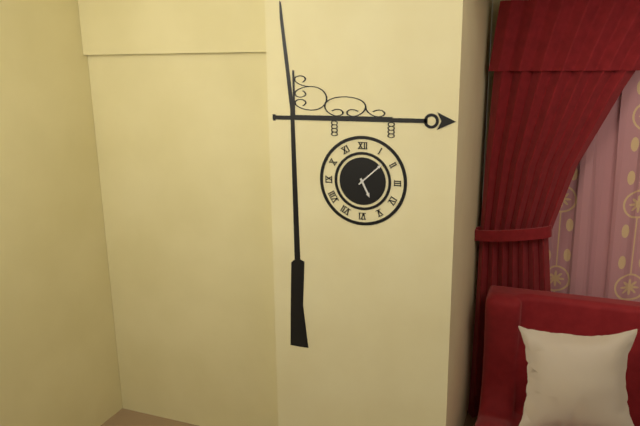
5:08
